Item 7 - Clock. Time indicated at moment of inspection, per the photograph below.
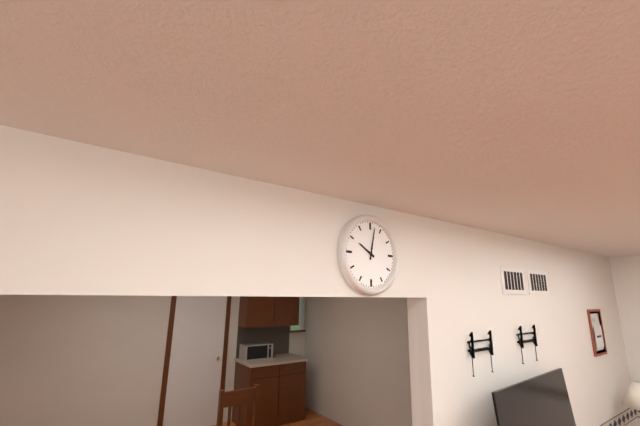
10:02
